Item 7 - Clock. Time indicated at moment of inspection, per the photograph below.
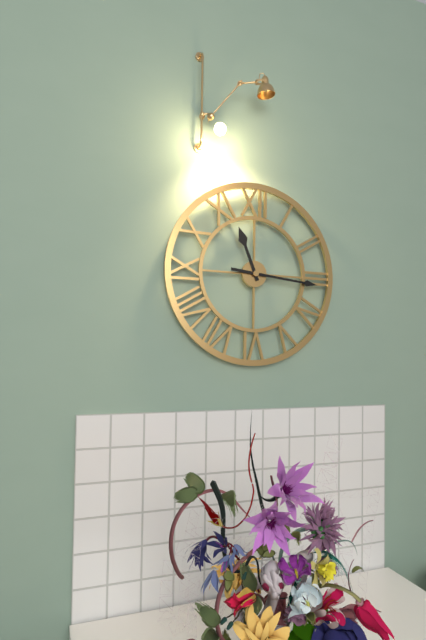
11:16
